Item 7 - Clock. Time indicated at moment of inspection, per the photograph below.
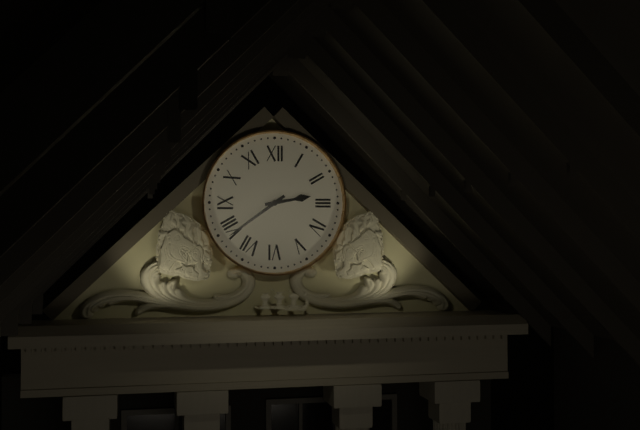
2:39
